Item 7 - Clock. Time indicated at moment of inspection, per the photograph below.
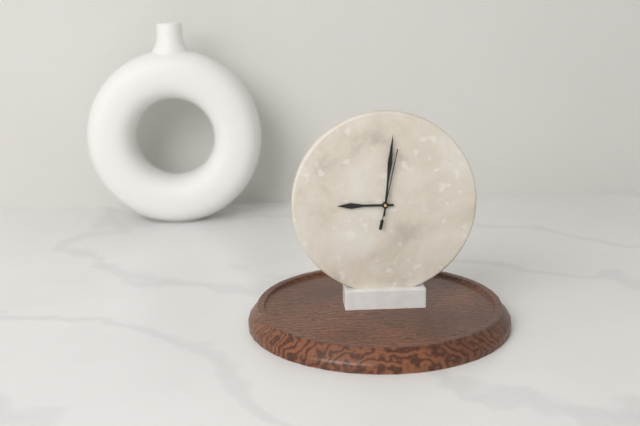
9:01:02
